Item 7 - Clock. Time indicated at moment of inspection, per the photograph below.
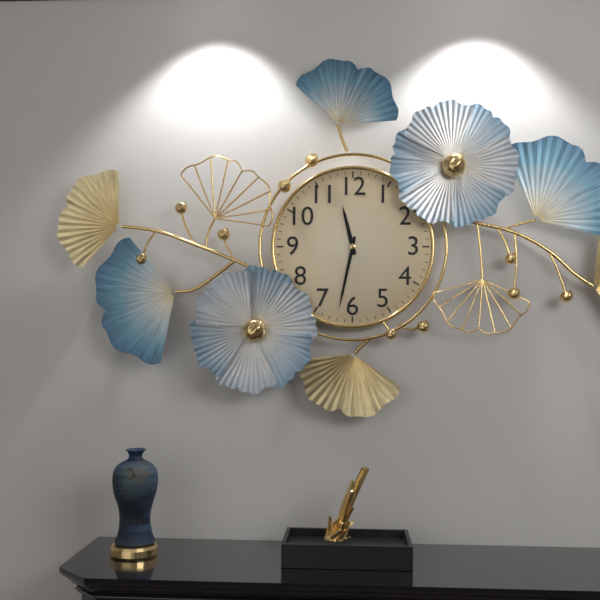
11:32
